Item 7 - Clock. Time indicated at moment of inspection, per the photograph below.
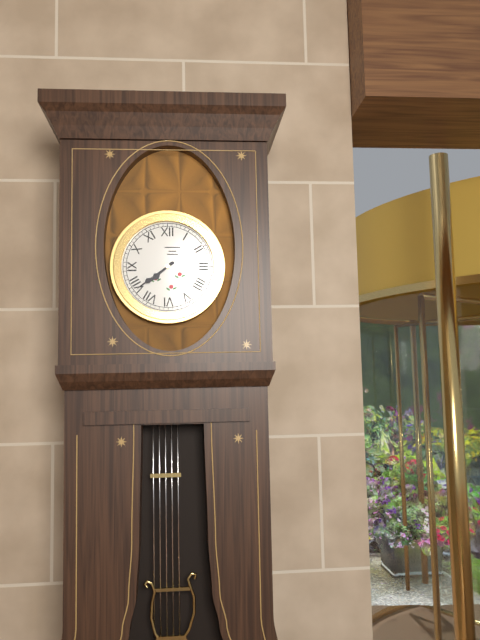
7:39
